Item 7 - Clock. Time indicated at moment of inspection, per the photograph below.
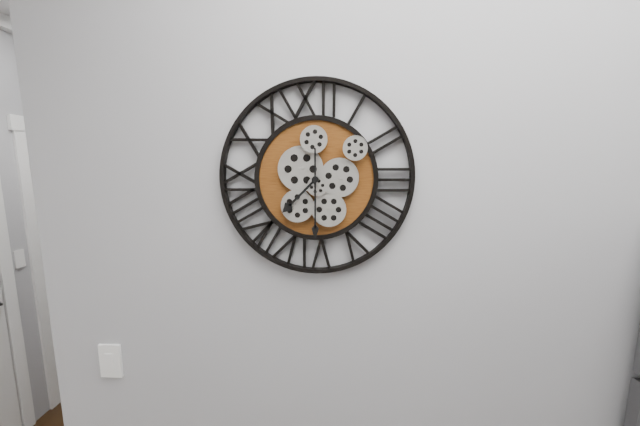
7:30
